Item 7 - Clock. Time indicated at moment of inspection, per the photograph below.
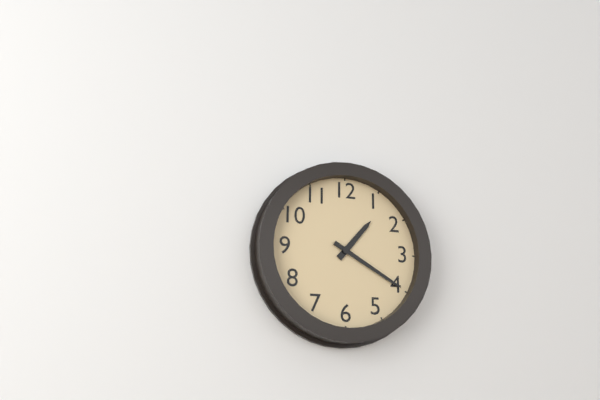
1:20
